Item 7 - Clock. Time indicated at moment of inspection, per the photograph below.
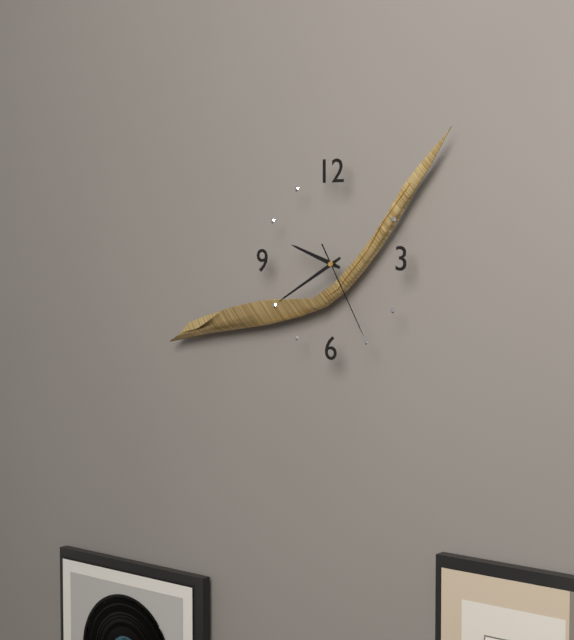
9:40:25
